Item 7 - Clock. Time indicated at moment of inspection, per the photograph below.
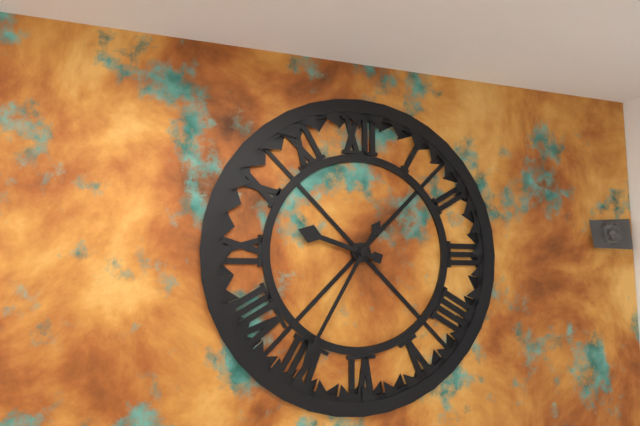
9:35
